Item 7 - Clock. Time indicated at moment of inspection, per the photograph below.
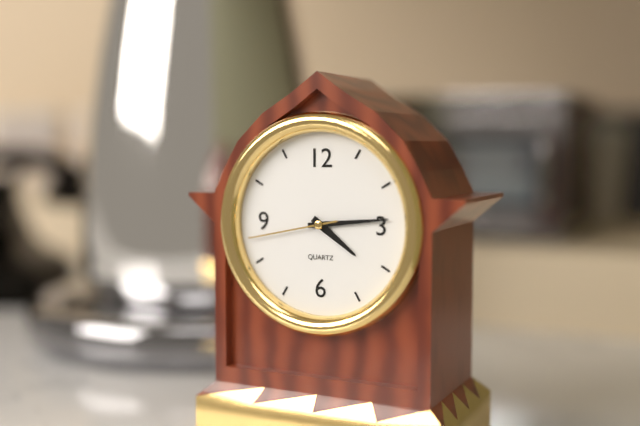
4:14:43
